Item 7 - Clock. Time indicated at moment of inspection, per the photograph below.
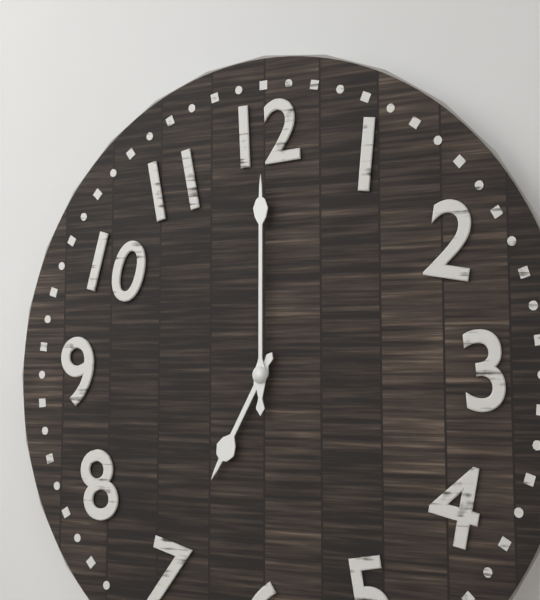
7:00
